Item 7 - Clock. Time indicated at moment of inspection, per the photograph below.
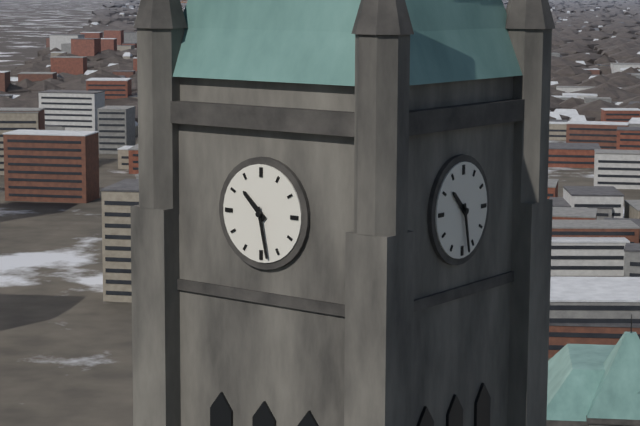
10:28
